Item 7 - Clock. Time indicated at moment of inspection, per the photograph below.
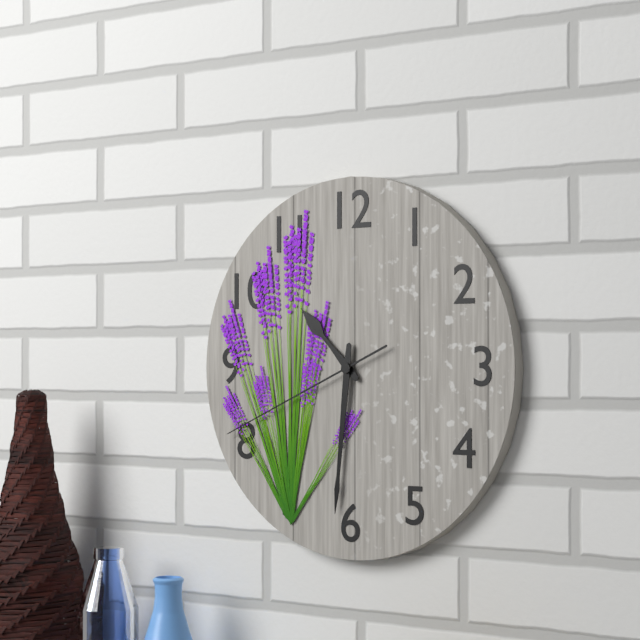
10:31:41
